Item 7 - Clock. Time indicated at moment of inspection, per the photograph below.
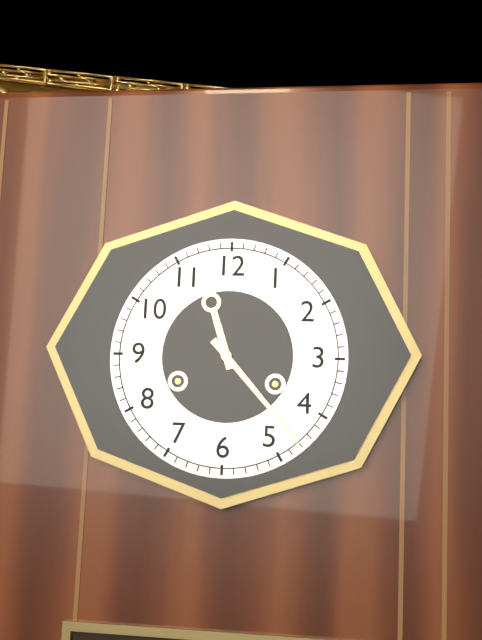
11:23
